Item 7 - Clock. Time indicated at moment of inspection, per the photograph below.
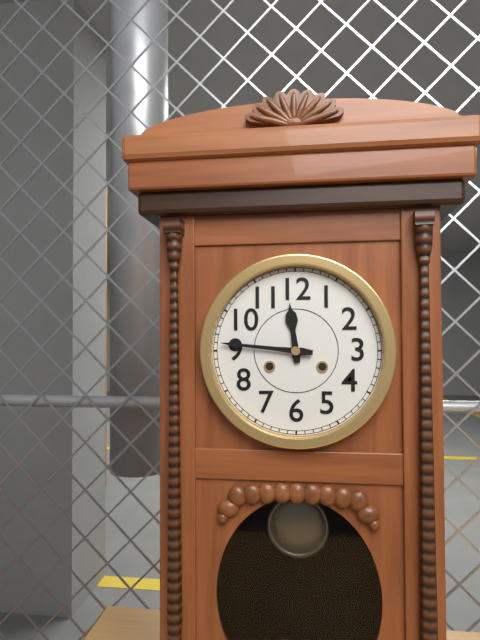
11:46
